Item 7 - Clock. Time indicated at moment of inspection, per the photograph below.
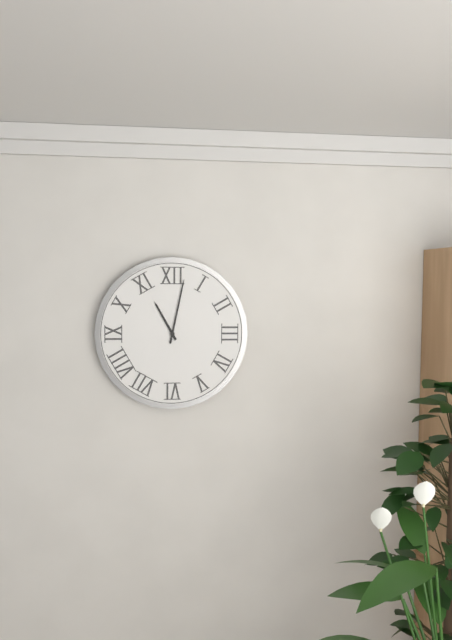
11:02
